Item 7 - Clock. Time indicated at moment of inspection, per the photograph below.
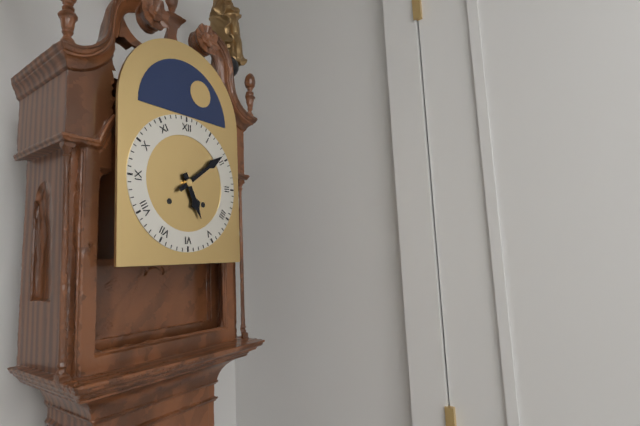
5:09
